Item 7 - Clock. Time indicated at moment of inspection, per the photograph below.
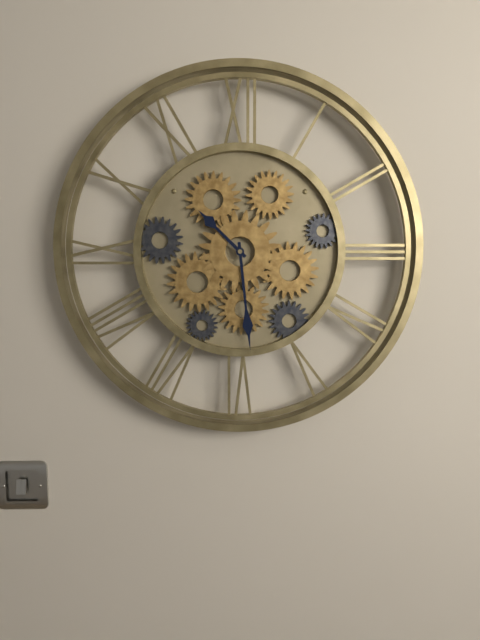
10:29
